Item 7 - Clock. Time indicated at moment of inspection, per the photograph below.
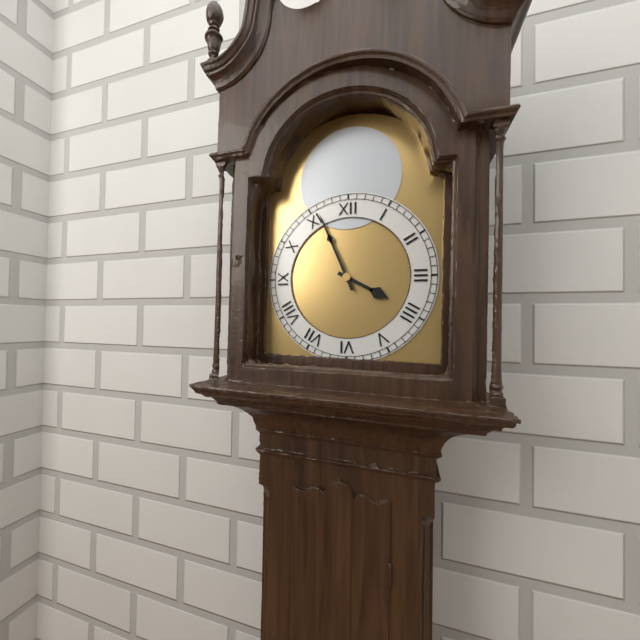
3:56
